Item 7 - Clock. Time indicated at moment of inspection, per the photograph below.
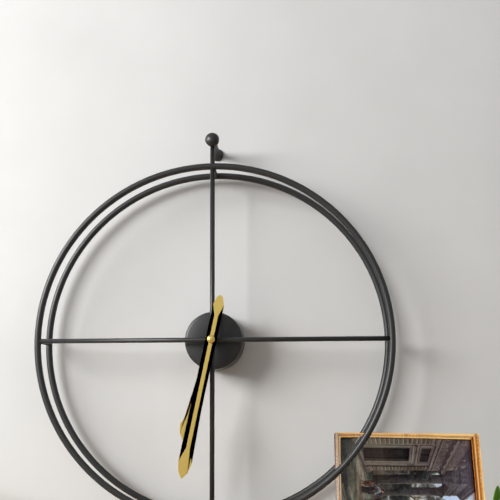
6:32
